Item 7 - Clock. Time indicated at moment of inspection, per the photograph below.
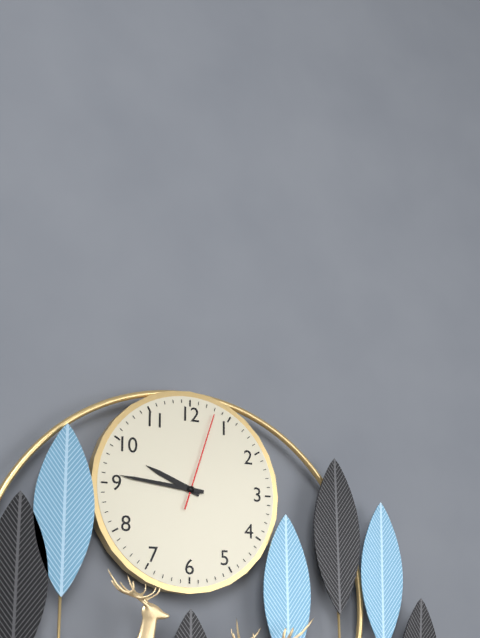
9:46:03
